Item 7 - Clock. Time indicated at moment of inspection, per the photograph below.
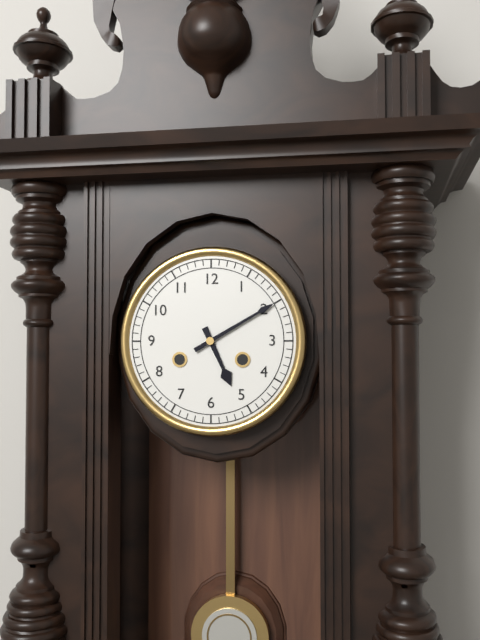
5:10
